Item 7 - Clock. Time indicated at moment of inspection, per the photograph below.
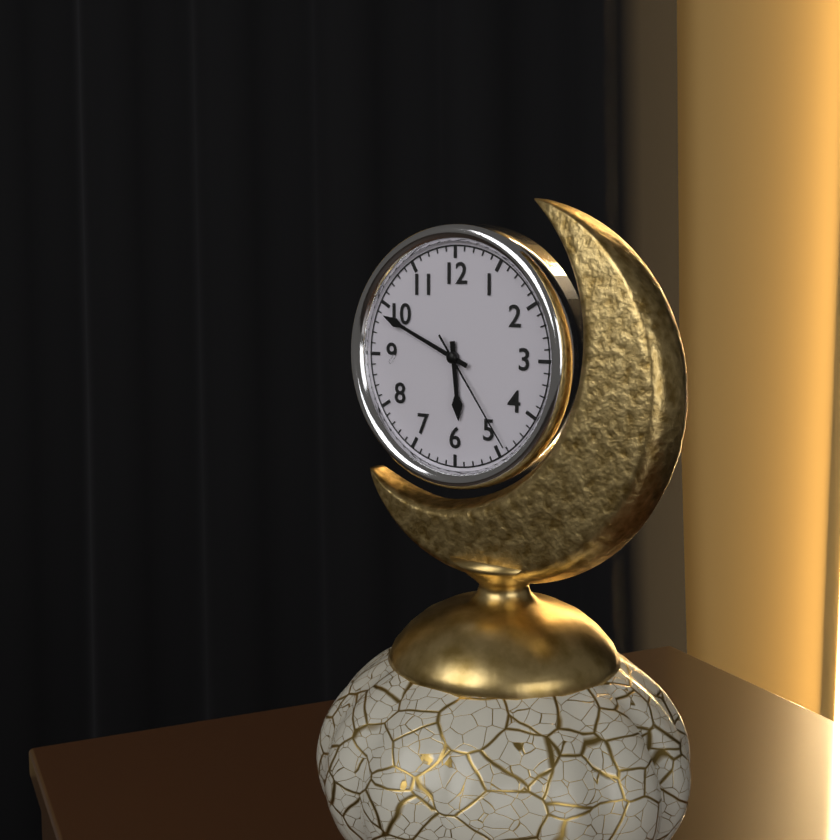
5:49:24
